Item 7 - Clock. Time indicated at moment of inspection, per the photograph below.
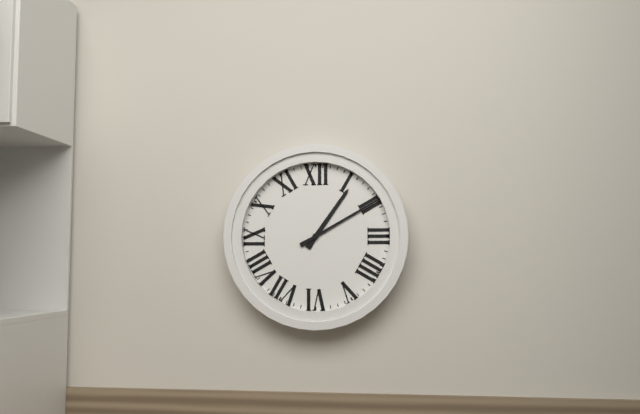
1:10
